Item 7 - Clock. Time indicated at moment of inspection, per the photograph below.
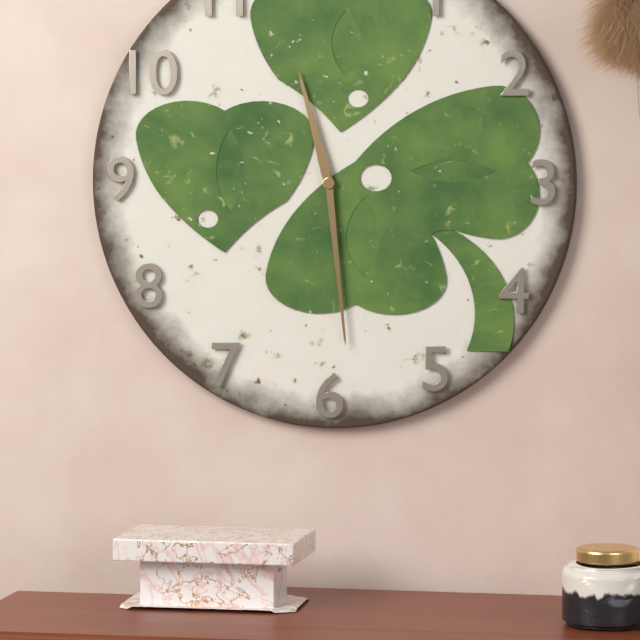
11:29
